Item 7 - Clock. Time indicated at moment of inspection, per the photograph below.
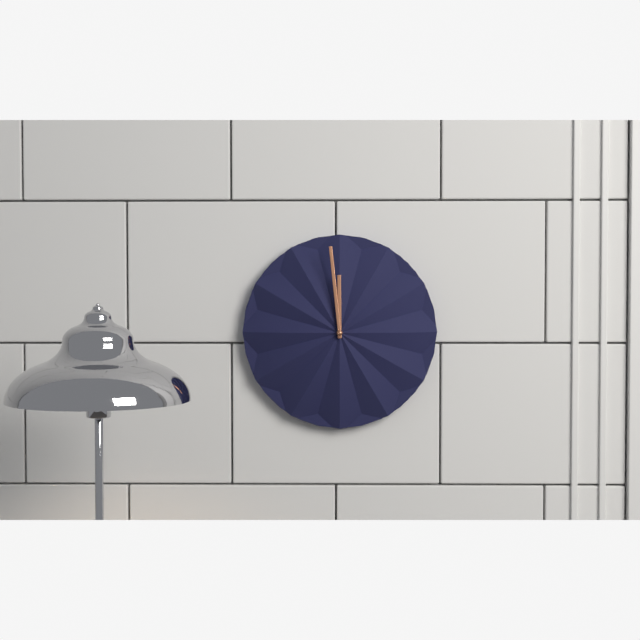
11:59
